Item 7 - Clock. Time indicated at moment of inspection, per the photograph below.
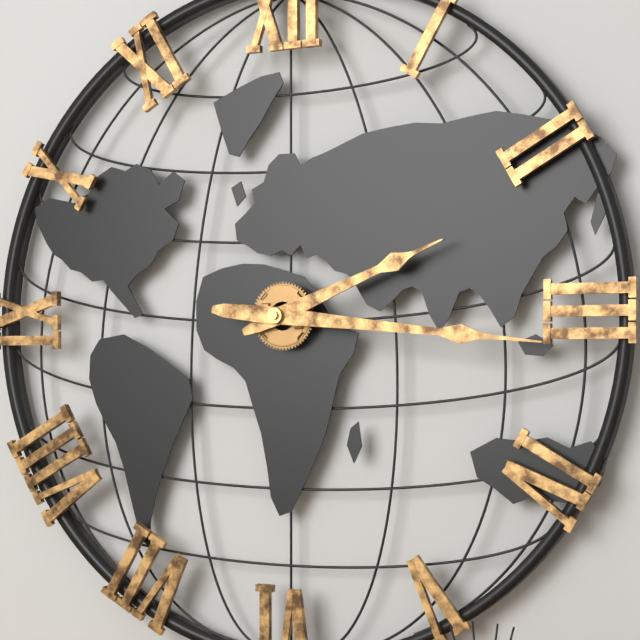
2:16
